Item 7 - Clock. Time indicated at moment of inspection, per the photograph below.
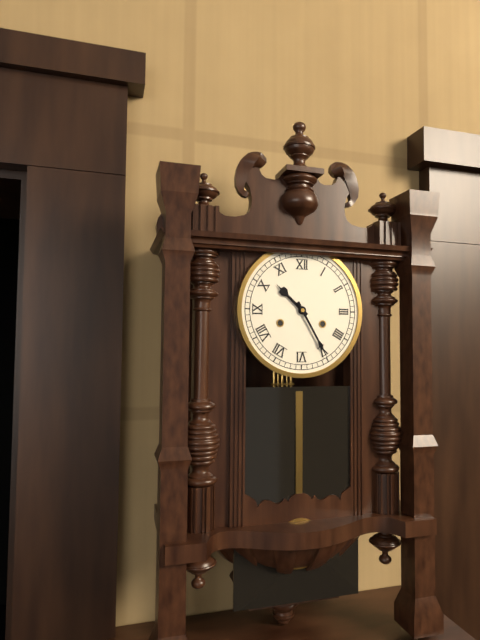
10:25
